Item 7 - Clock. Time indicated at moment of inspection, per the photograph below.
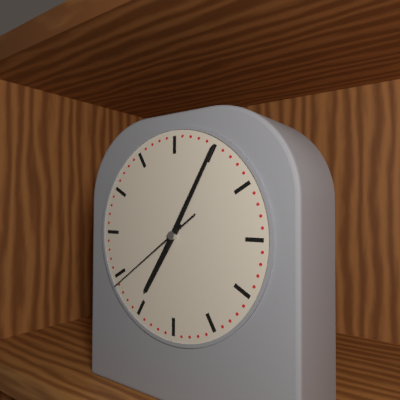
7:05:39
